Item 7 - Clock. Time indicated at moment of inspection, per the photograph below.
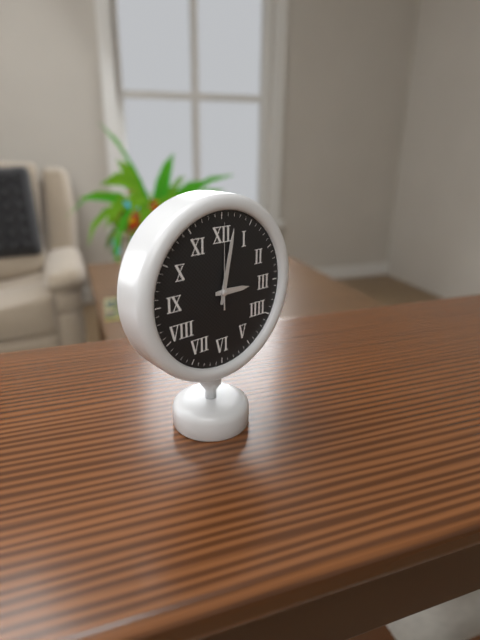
3:02:00
